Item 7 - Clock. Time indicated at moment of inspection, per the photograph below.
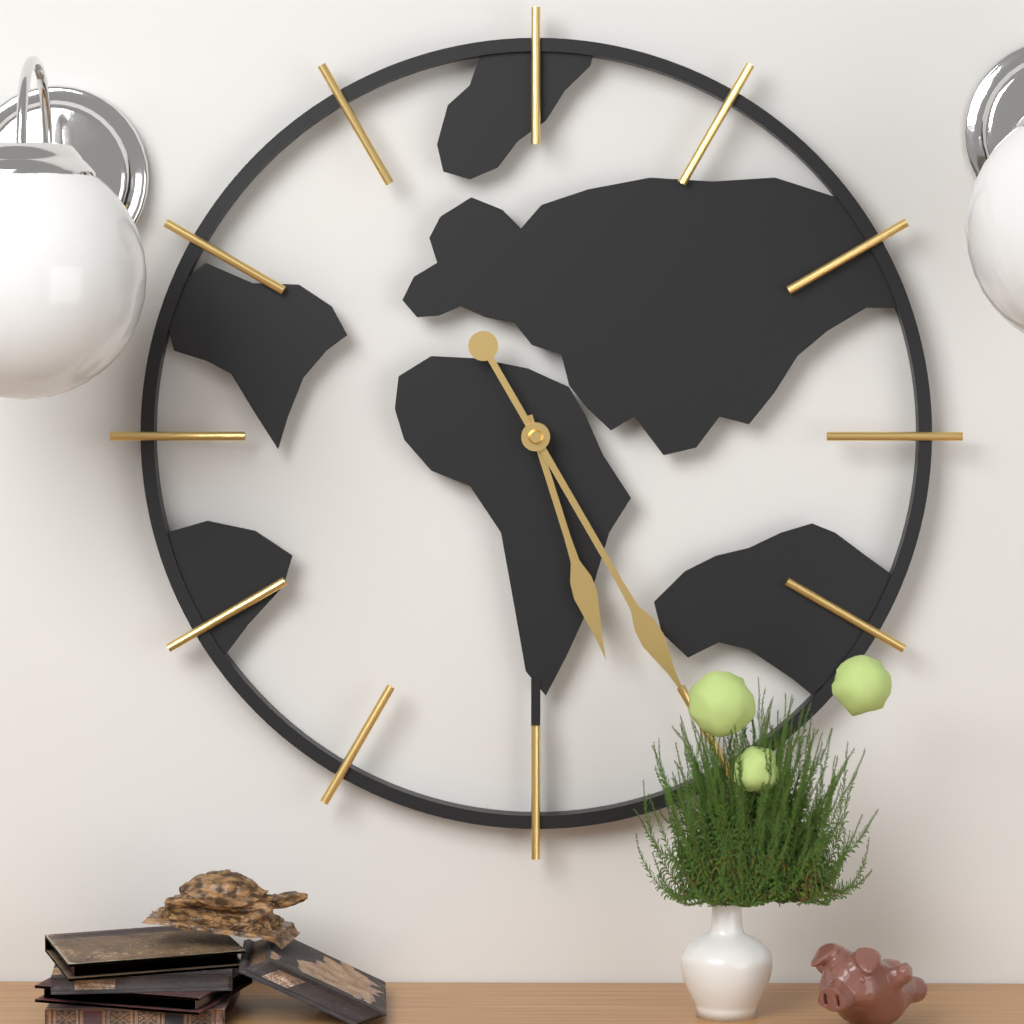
5:25
